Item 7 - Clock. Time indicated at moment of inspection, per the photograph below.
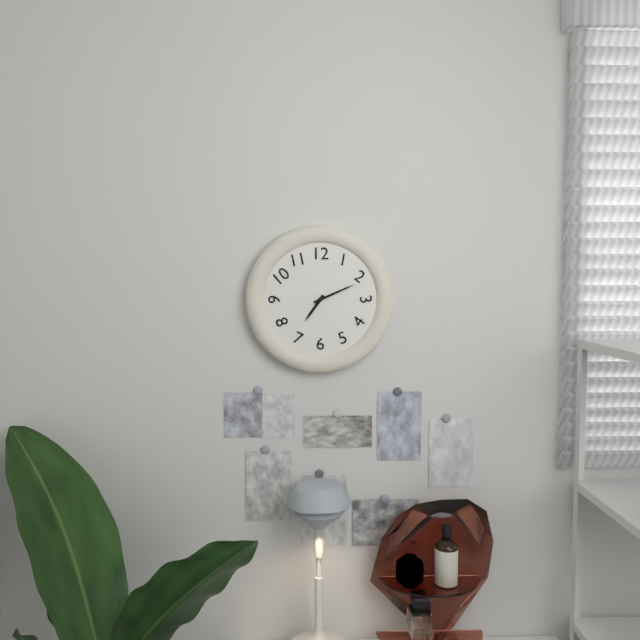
7:11
